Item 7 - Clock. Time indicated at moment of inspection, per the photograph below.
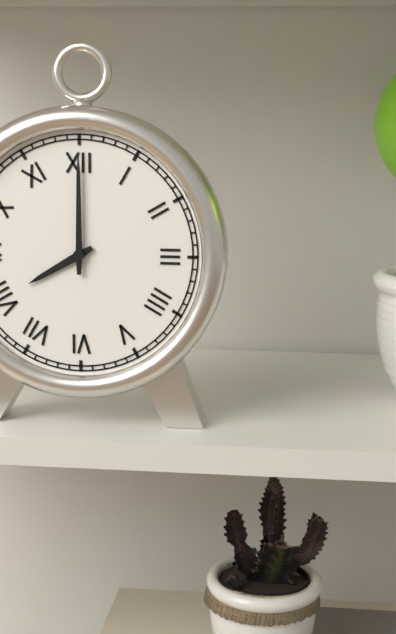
8:00
